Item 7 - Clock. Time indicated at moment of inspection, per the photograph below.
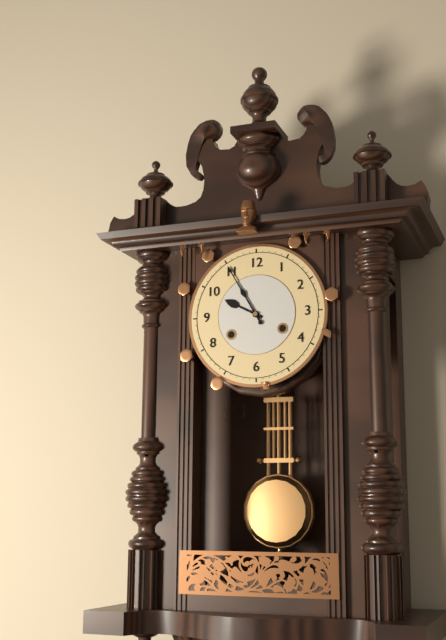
9:55
